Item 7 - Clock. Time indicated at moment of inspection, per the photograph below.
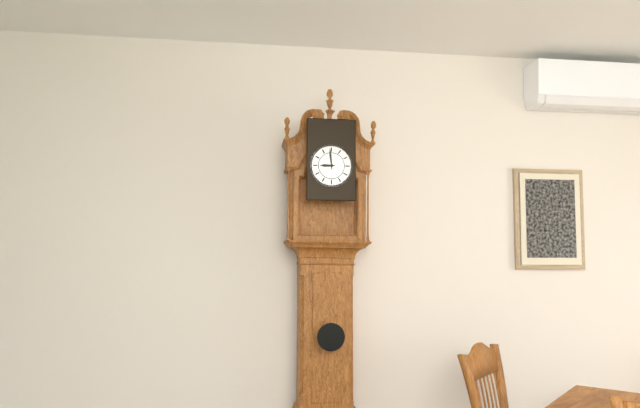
8:59
